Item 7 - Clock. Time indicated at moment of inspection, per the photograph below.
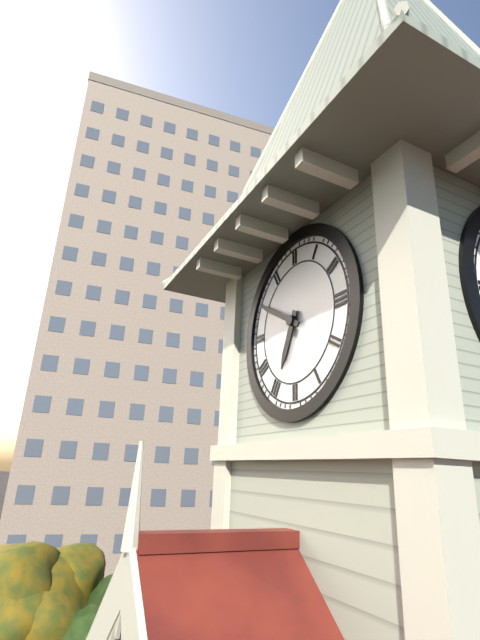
6:50
